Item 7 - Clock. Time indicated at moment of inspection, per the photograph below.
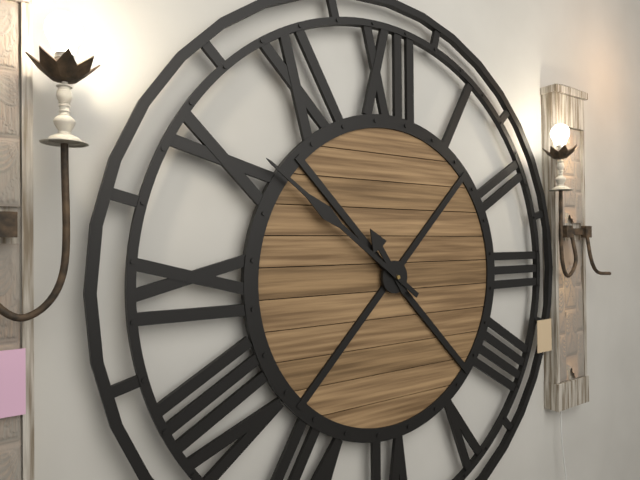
10:51
